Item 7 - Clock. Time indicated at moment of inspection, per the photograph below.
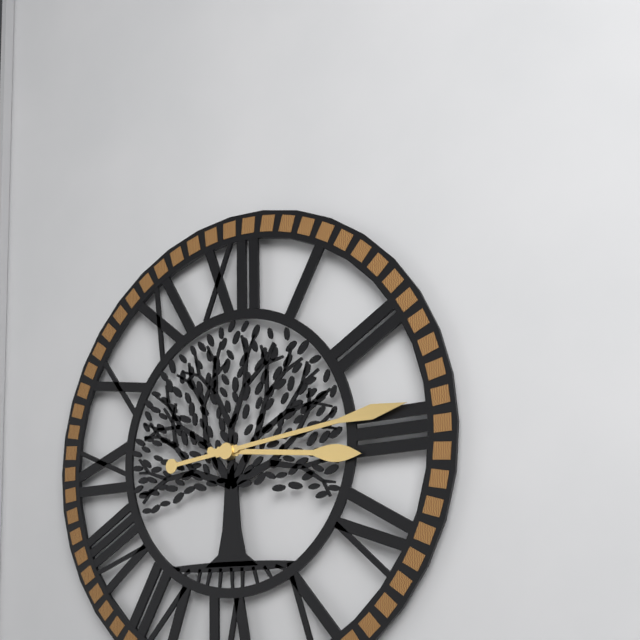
3:14
